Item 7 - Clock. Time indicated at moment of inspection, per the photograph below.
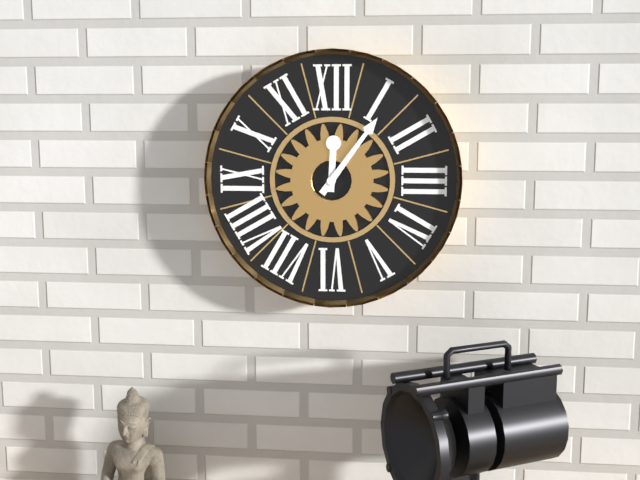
12:06
